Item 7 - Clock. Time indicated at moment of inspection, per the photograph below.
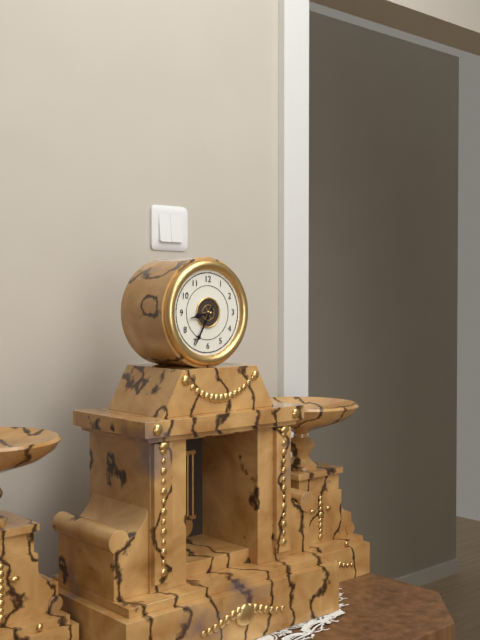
8:35
